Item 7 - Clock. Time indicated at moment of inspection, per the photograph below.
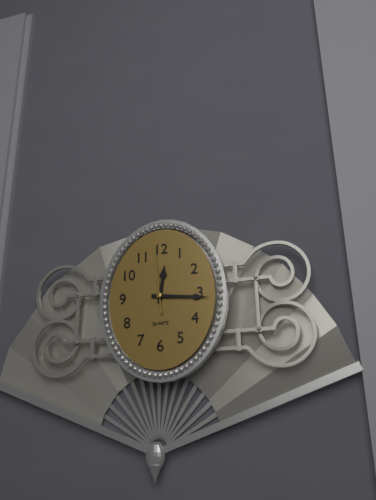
12:16:59
